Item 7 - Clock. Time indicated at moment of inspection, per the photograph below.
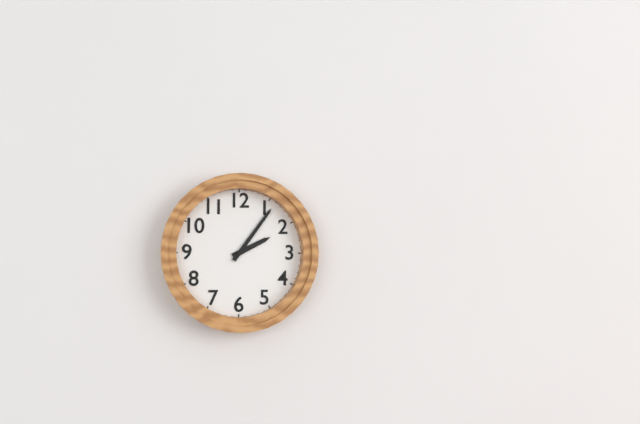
2:06
